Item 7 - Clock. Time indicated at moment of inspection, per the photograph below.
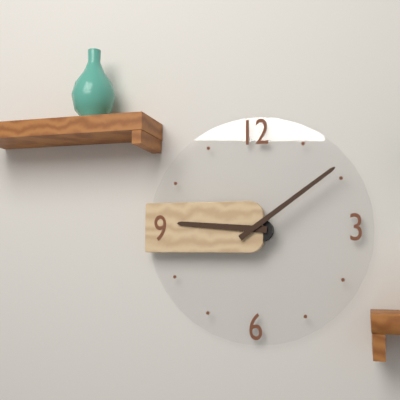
9:09
